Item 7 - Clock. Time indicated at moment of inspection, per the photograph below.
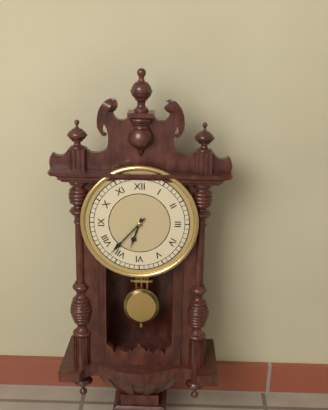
6:37
